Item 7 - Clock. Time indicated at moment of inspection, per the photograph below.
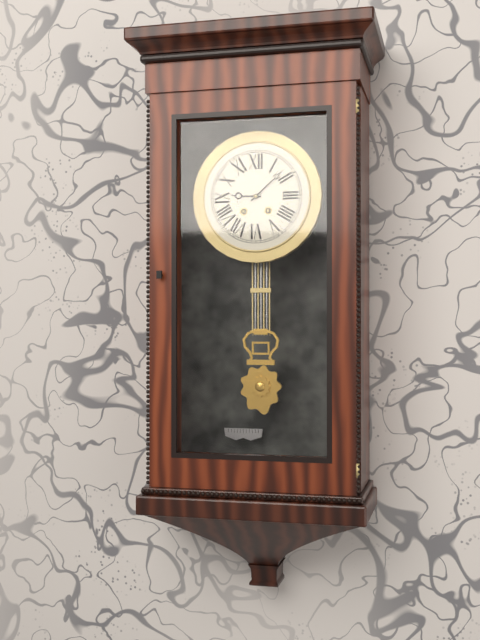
9:08
